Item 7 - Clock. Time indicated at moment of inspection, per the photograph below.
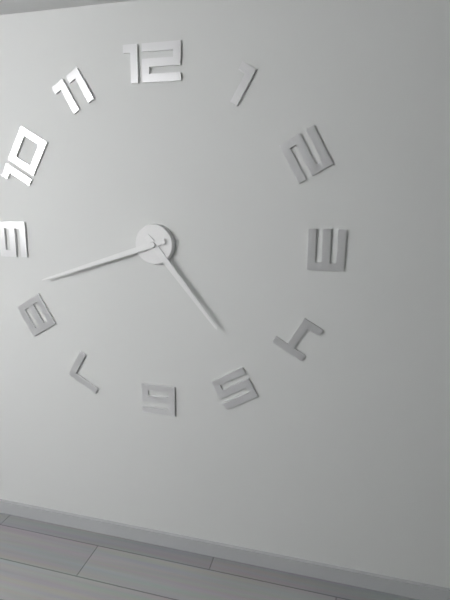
4:42
